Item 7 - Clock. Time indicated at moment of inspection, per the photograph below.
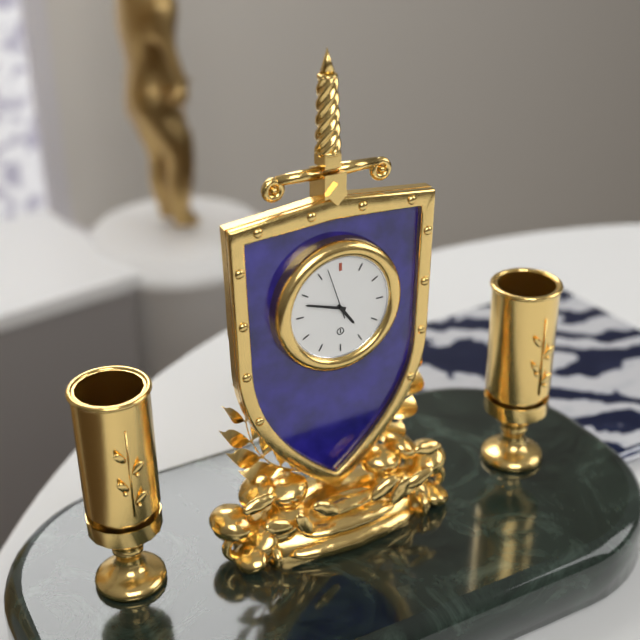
4:48:57
